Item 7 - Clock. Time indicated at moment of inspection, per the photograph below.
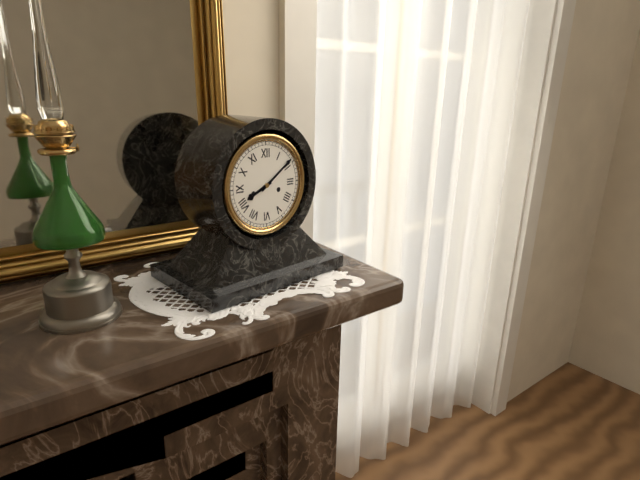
8:09
